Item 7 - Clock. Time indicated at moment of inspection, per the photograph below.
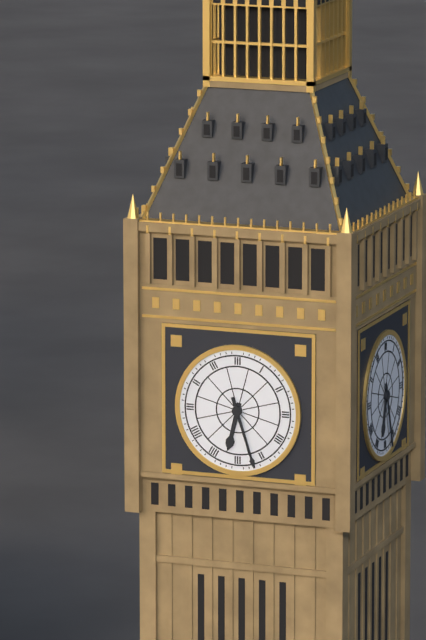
6:27
